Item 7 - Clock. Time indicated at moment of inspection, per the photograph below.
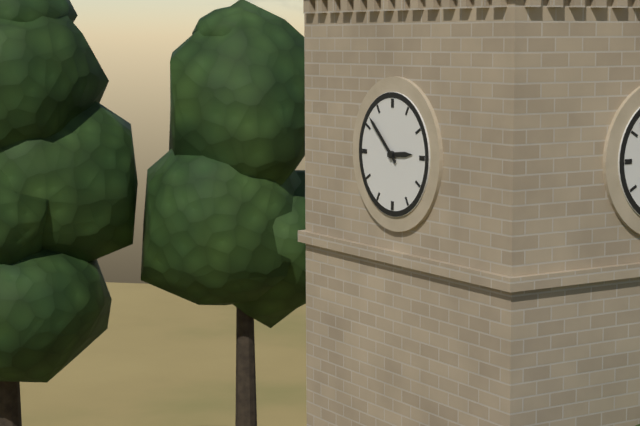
2:52
